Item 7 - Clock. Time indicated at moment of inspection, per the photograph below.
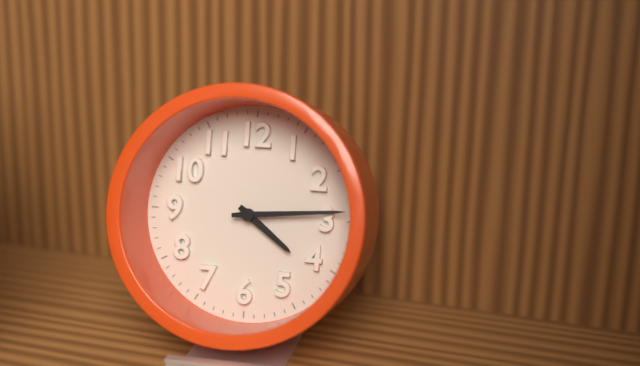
4:14
